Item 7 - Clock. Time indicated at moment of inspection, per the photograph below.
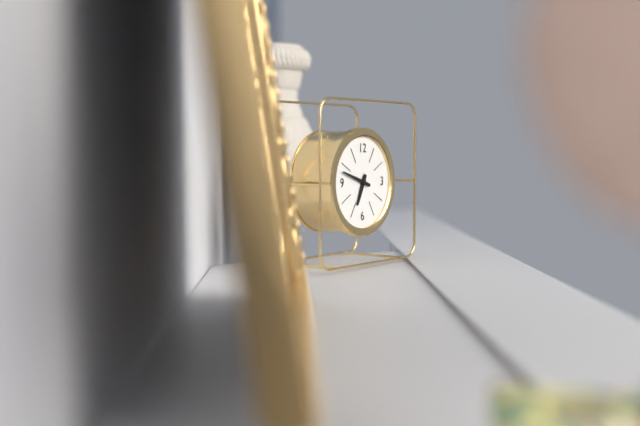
6:48
